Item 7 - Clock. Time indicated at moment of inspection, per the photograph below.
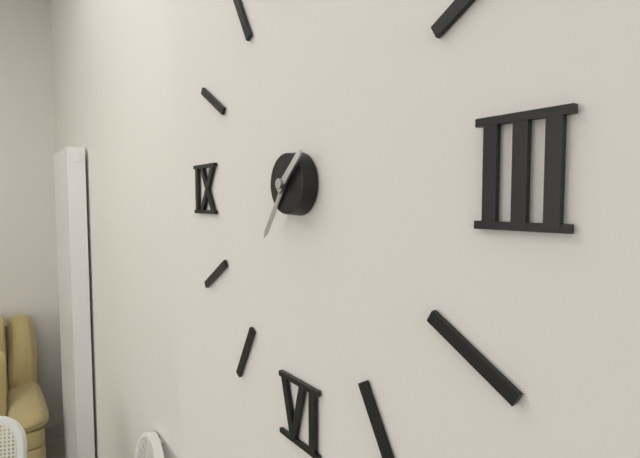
1:36
